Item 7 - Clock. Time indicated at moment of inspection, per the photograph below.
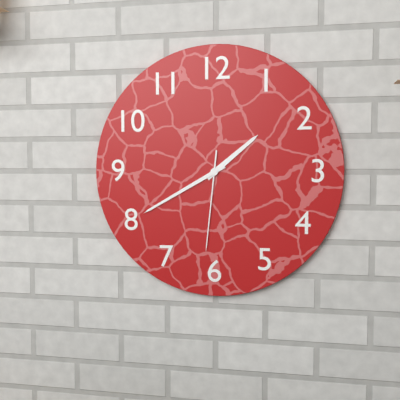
1:40:31
